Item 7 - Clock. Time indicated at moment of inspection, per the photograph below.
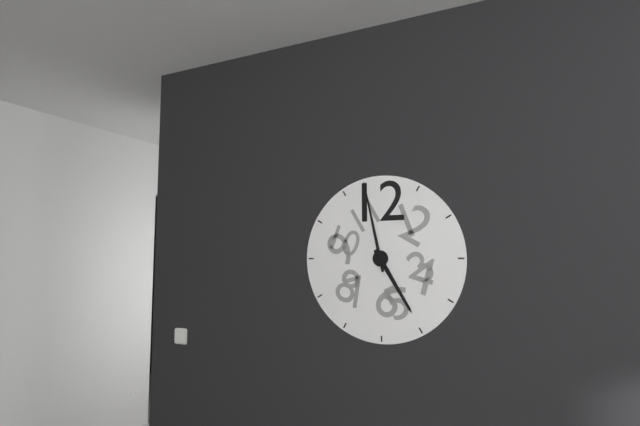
4:58
